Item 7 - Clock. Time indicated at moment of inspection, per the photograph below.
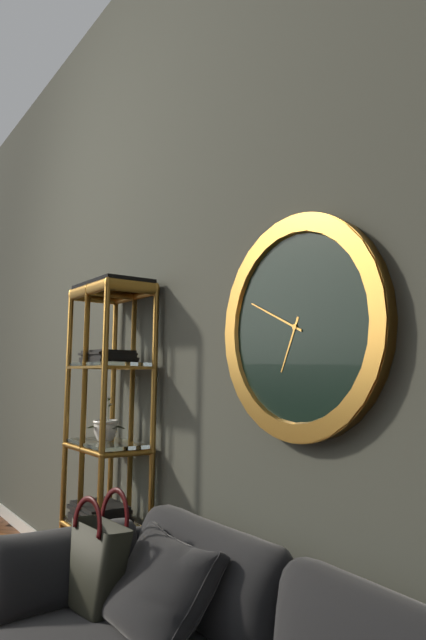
6:49
